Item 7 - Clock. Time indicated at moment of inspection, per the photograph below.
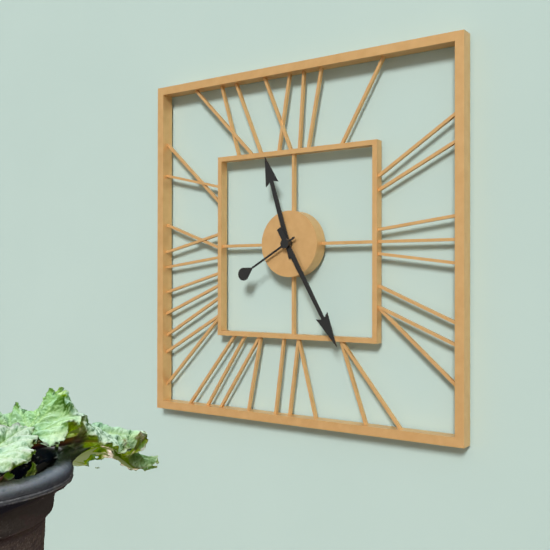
11:25:40
